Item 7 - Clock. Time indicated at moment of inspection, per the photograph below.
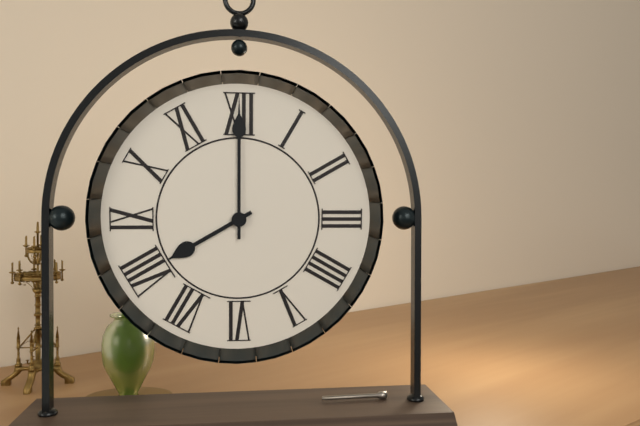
8:00
